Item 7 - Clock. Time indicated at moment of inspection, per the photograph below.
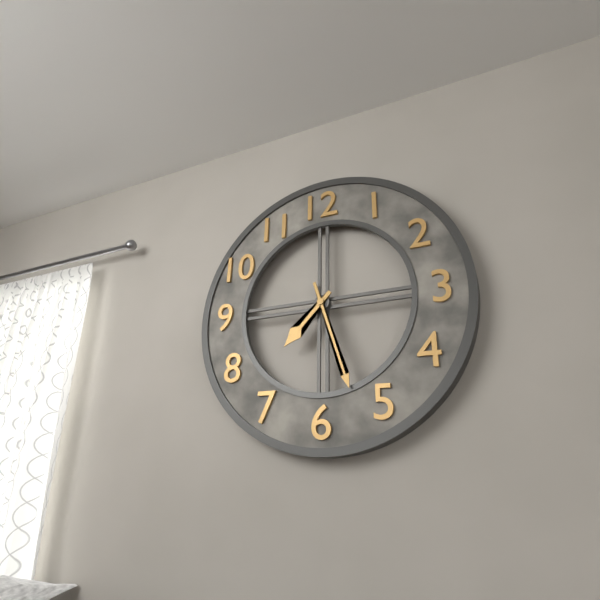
7:27
